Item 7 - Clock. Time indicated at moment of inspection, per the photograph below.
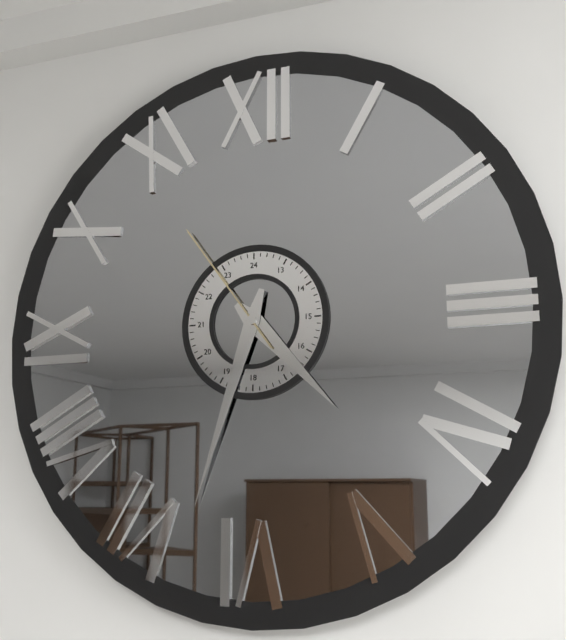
4:33:54
